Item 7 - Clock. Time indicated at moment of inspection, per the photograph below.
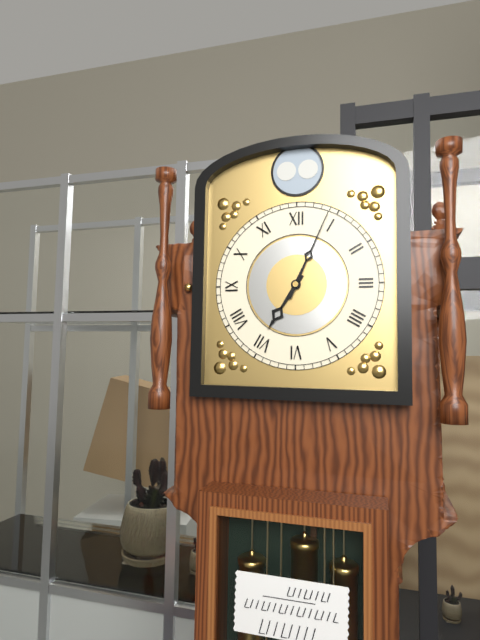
7:04
